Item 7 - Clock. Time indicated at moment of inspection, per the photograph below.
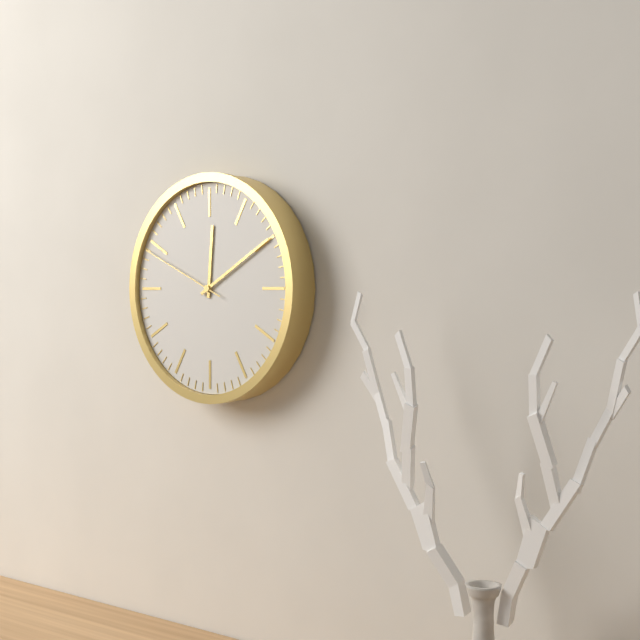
12:10:49
